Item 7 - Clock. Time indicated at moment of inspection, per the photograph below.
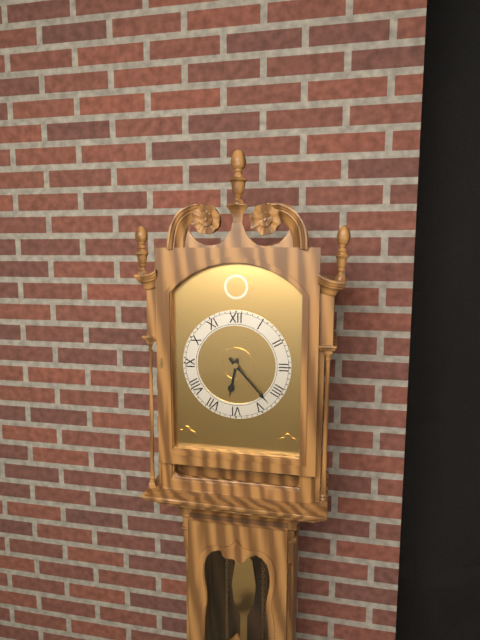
6:23
